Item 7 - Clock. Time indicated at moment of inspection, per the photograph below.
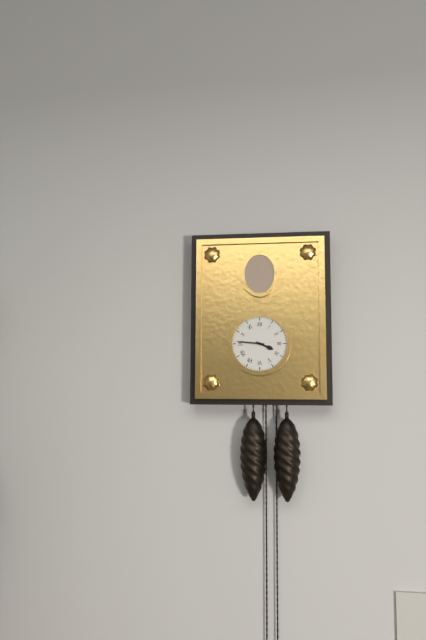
3:46
